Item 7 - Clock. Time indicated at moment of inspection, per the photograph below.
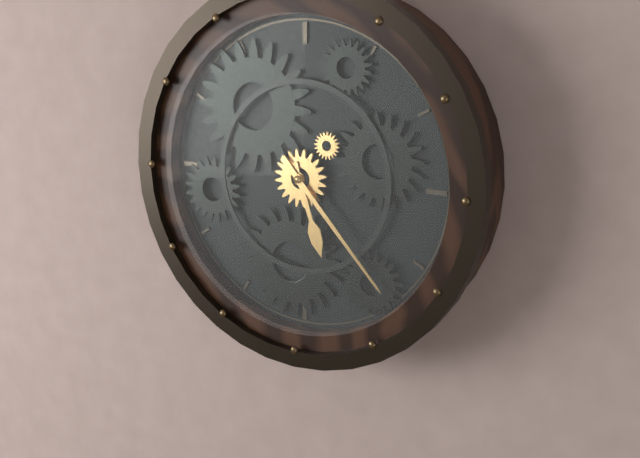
5:23
